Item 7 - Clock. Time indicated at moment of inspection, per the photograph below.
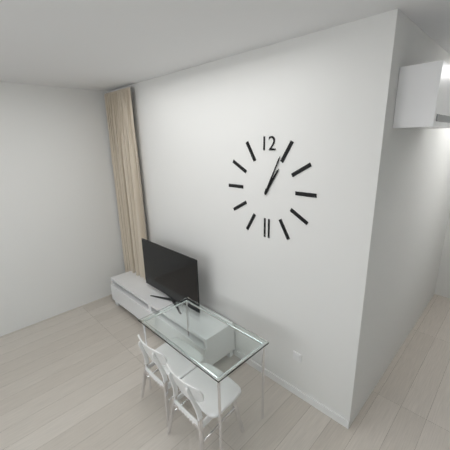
1:04
